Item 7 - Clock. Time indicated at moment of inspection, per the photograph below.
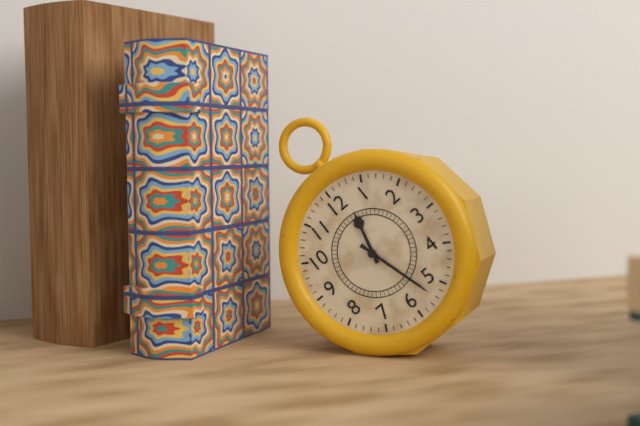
12:27
